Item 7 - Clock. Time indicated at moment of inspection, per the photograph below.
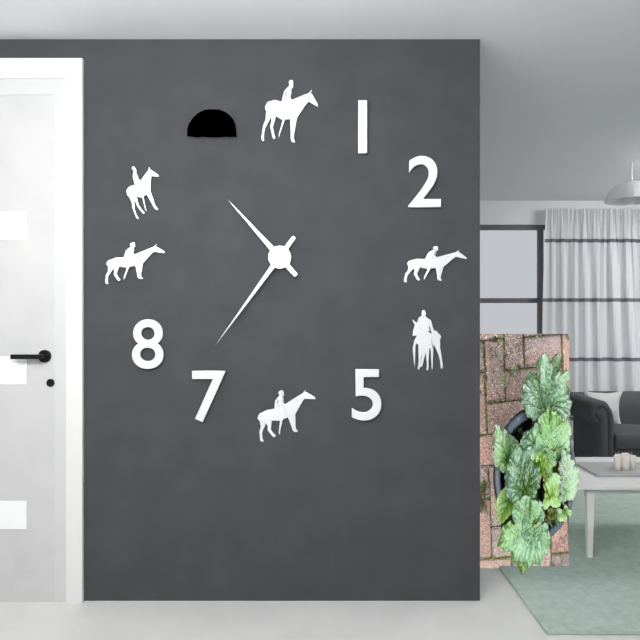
10:36
